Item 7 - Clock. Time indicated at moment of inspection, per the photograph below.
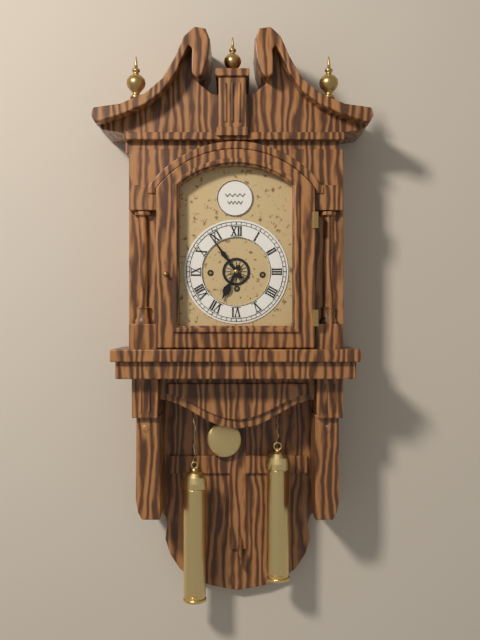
6:54
